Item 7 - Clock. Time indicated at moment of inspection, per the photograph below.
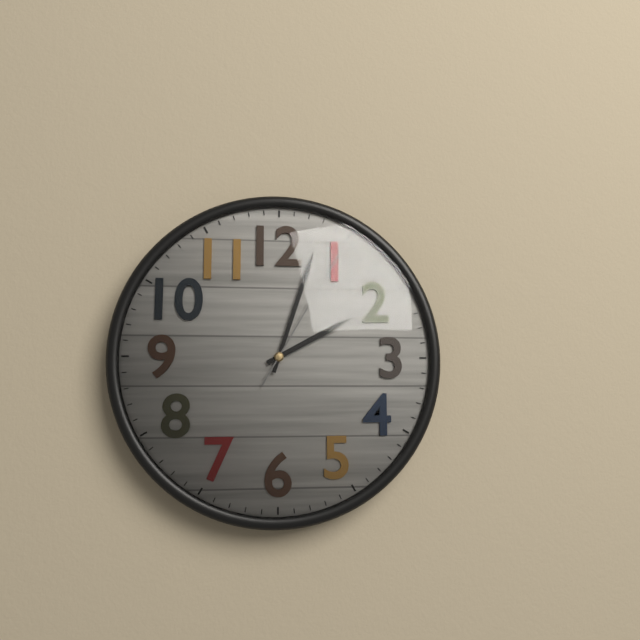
2:03:05
